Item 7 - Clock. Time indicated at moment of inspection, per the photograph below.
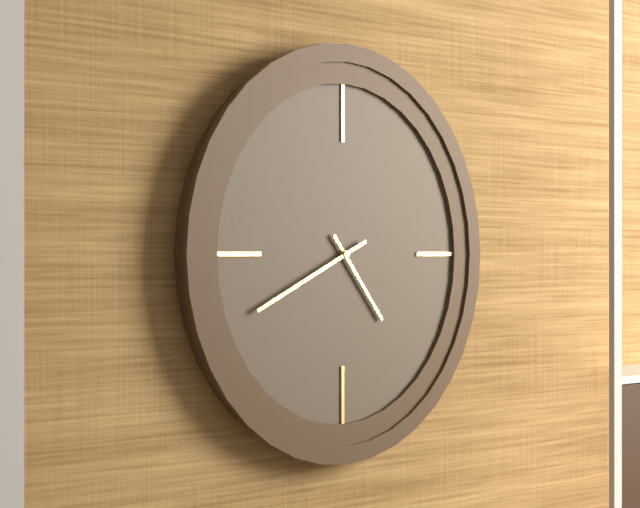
4:41
